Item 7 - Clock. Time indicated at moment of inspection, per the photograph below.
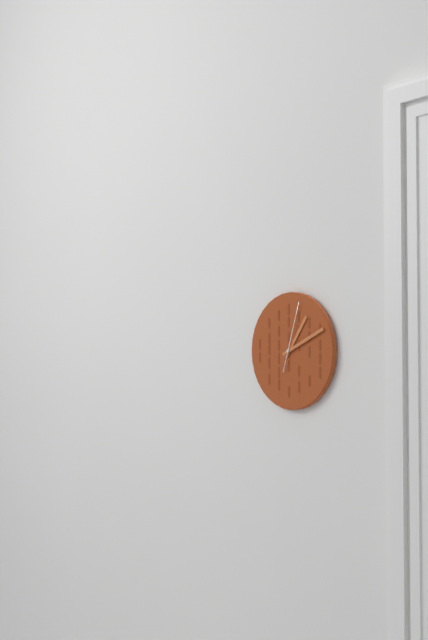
1:11:03
